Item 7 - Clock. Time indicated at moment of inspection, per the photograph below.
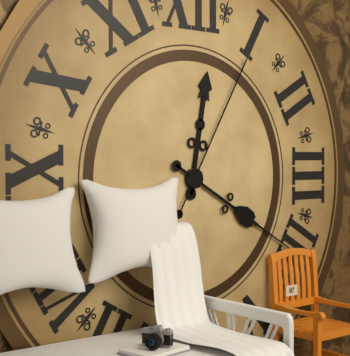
12:20:05
